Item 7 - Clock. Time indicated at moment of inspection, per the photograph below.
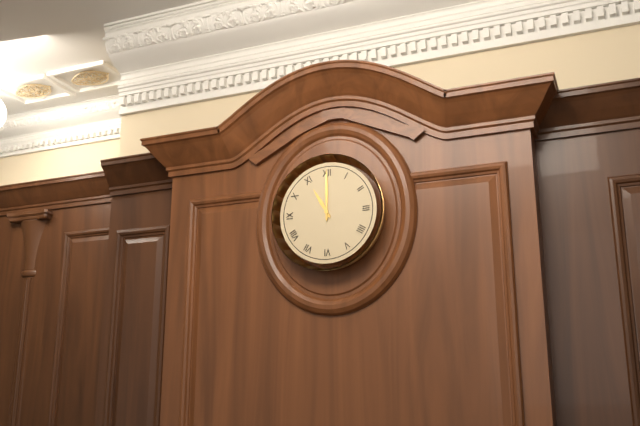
11:00
